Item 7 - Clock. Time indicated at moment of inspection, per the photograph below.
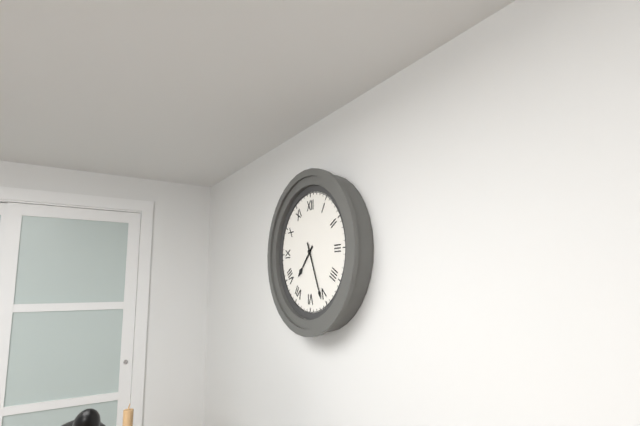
7:26
